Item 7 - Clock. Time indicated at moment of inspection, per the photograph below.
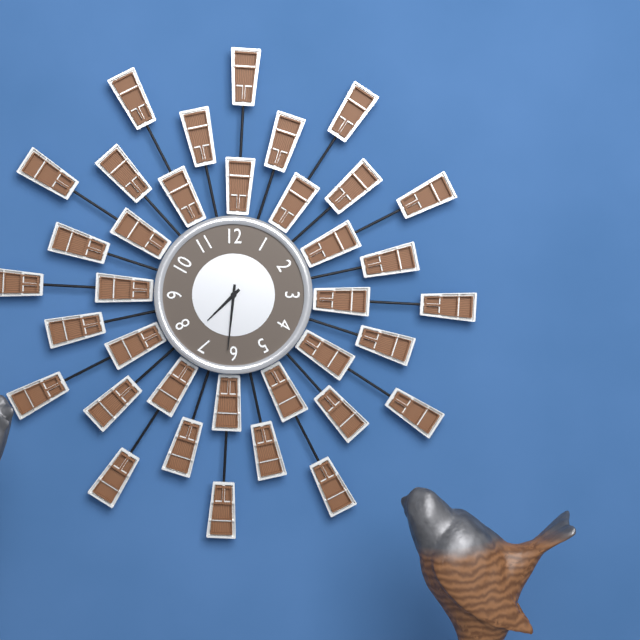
7:31
